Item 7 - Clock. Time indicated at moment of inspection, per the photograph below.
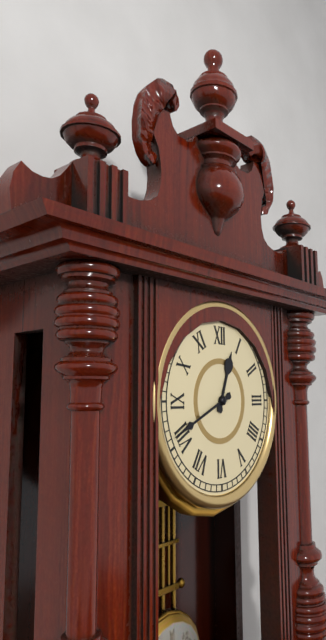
12:41
